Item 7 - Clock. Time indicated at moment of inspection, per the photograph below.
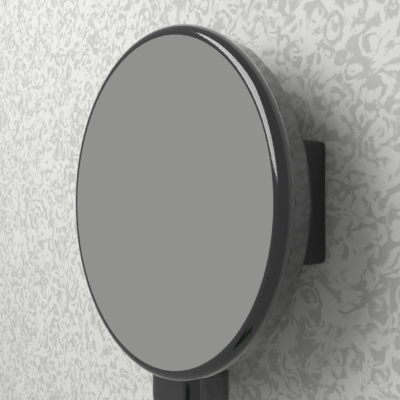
1:28
